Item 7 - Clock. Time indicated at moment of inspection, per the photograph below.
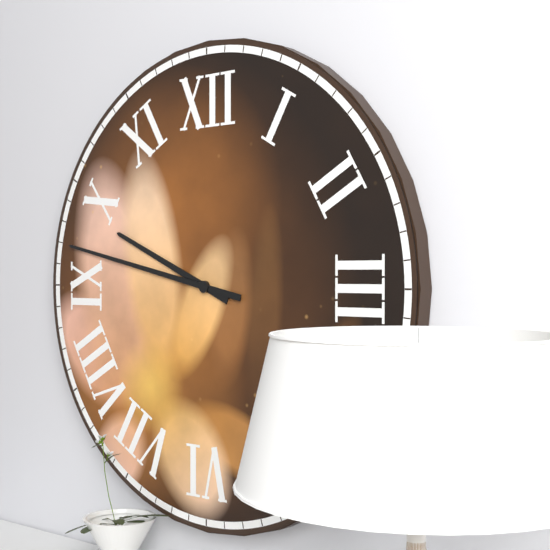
9:47
